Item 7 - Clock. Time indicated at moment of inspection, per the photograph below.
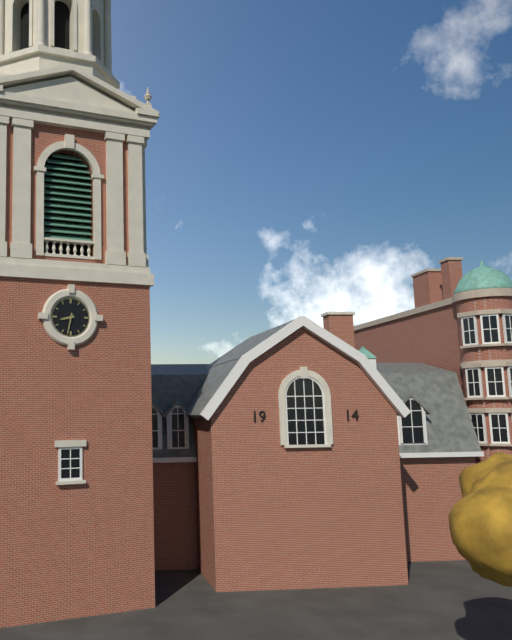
8:32
